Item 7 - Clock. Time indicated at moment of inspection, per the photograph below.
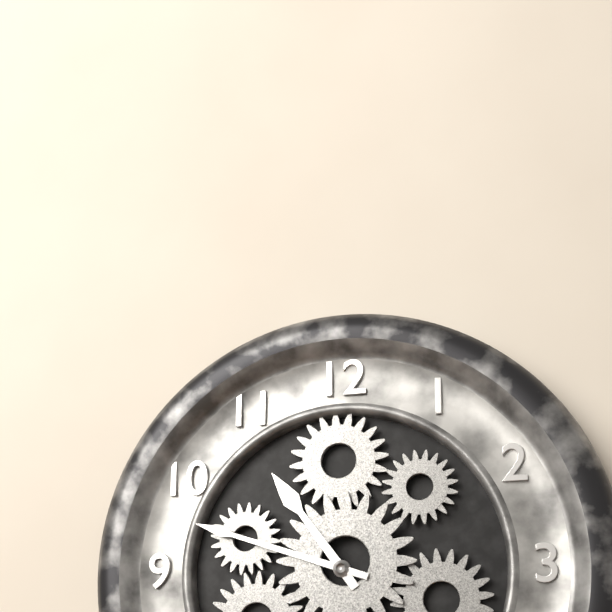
10:48
